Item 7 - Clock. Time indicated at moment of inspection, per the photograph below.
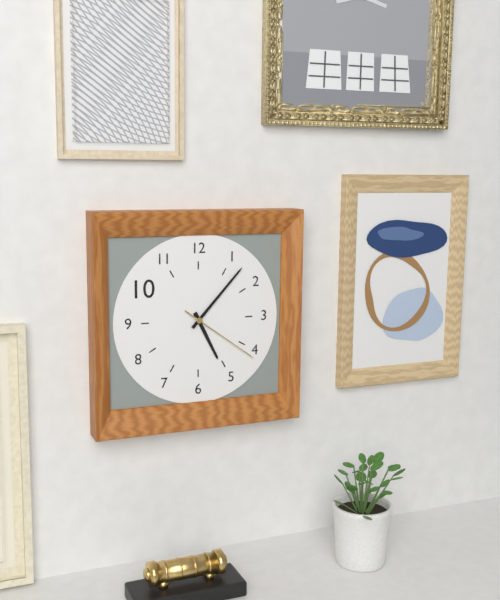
5:07:21
